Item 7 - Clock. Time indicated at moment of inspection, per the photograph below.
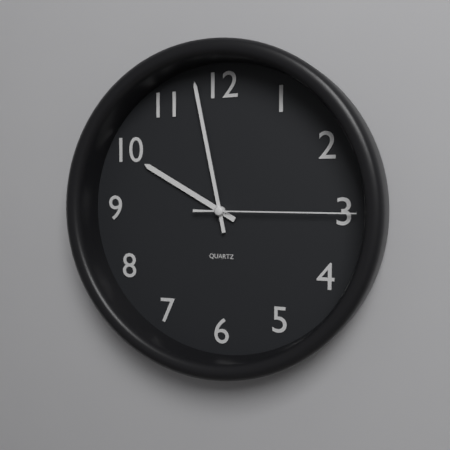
9:58:15
